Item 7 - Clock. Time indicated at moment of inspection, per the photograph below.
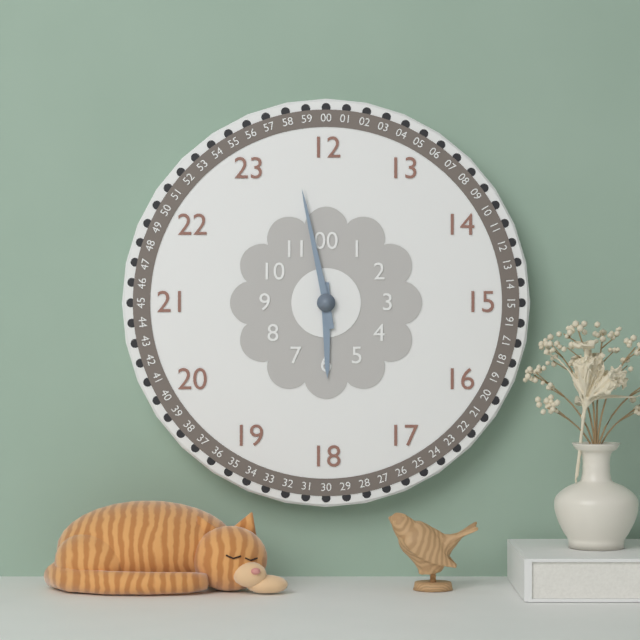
5:58
